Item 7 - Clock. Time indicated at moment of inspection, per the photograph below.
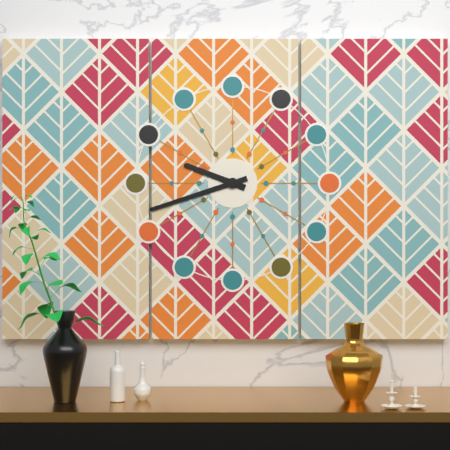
9:42
